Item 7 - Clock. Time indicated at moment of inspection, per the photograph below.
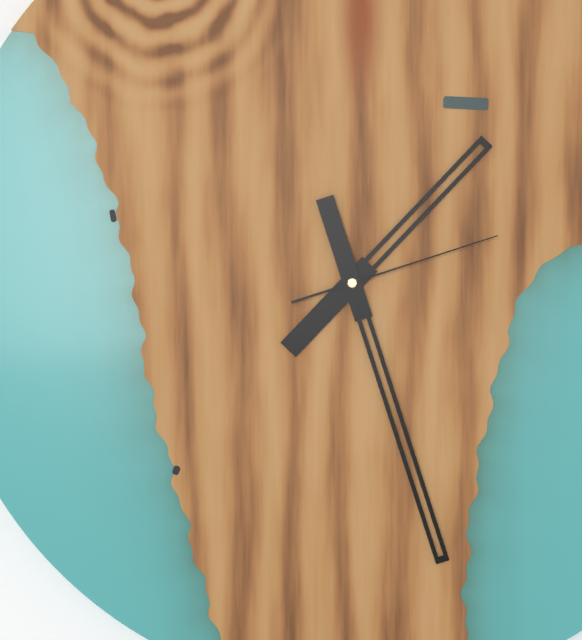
1:27:12
